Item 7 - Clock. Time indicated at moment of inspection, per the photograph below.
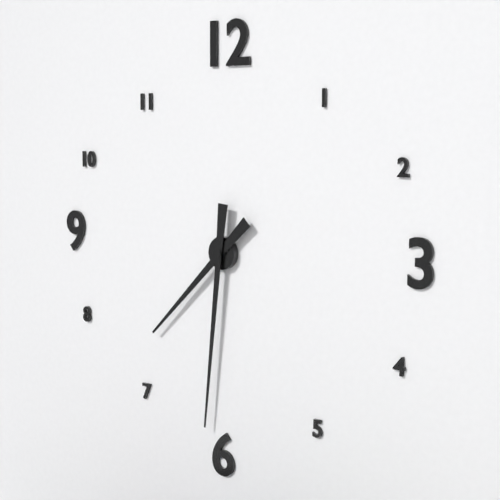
7:31
